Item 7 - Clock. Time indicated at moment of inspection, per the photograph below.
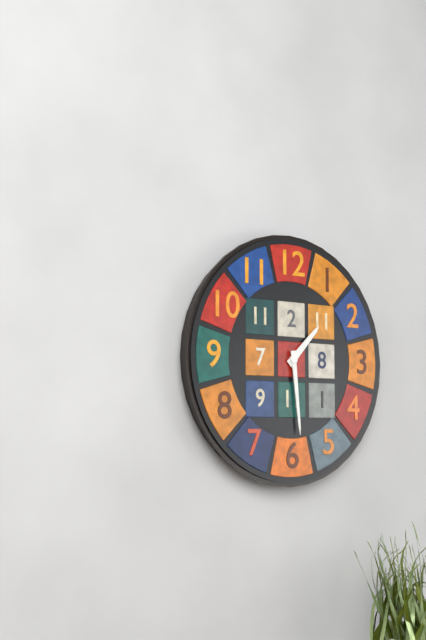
1:29
